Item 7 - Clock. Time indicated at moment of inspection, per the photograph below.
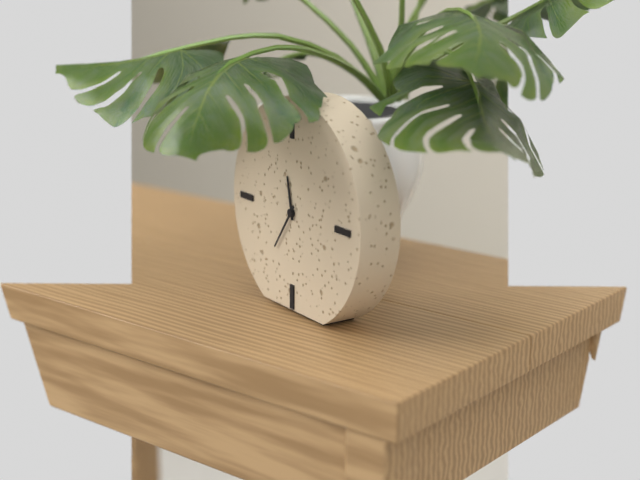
11:36
